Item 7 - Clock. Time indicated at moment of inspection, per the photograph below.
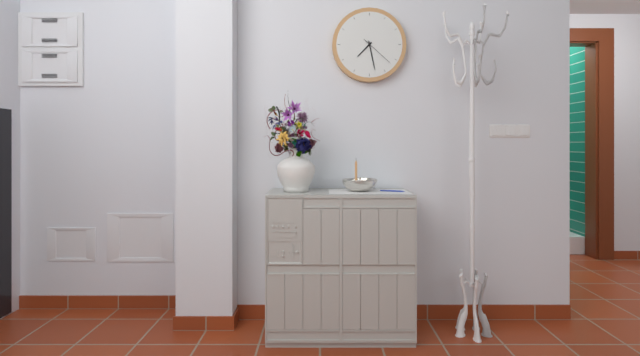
7:28
